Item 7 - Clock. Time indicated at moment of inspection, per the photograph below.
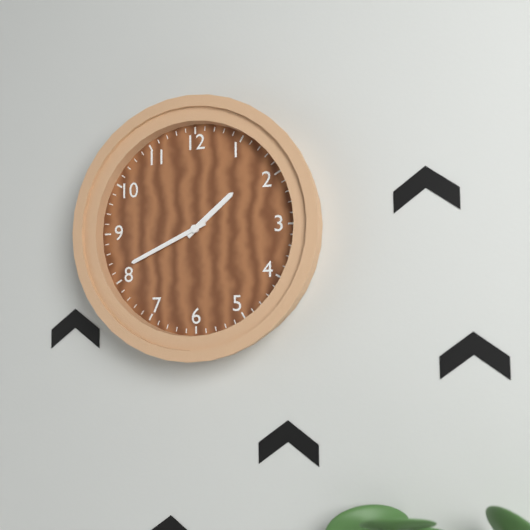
1:41
